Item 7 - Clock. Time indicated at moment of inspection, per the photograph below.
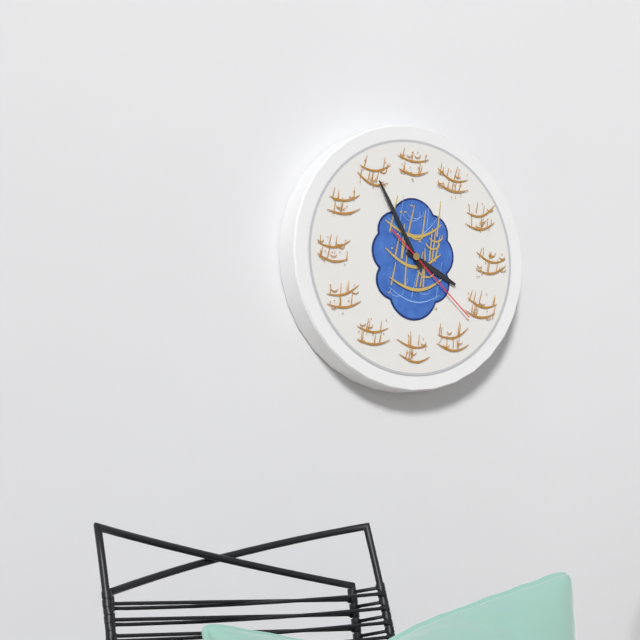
3:55:22
